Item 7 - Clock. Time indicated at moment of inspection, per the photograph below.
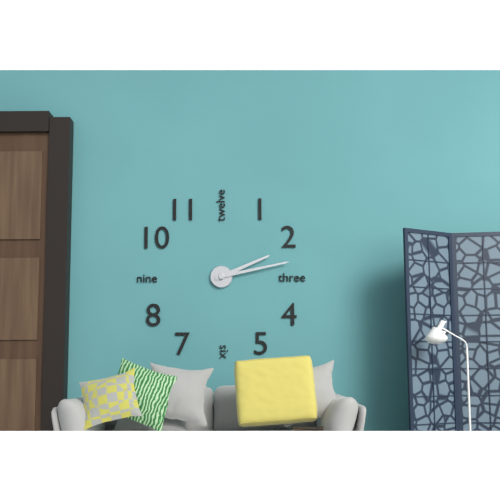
2:13
